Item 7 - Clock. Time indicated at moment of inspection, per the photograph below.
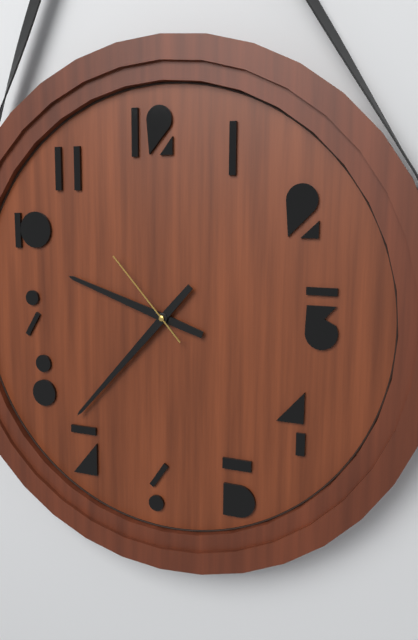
9:37:53
